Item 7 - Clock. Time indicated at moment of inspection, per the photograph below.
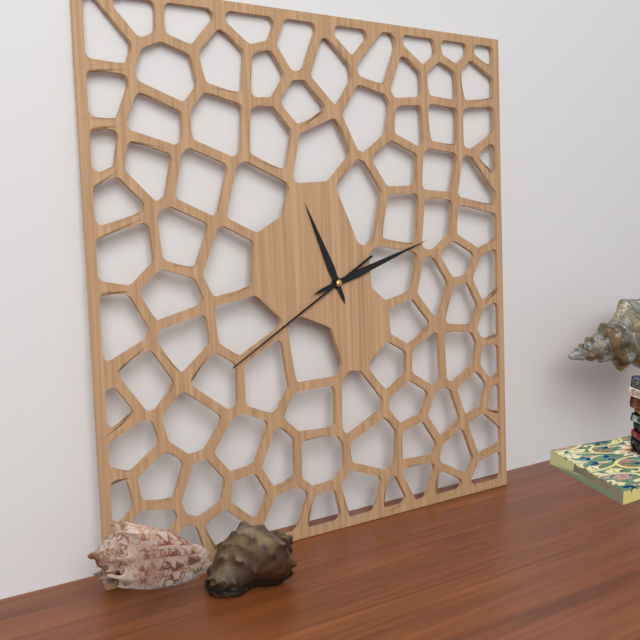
11:12:40
